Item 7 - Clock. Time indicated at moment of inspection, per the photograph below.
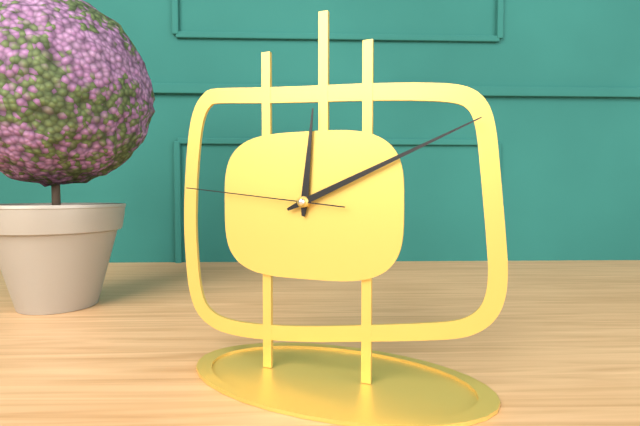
12:11:46
